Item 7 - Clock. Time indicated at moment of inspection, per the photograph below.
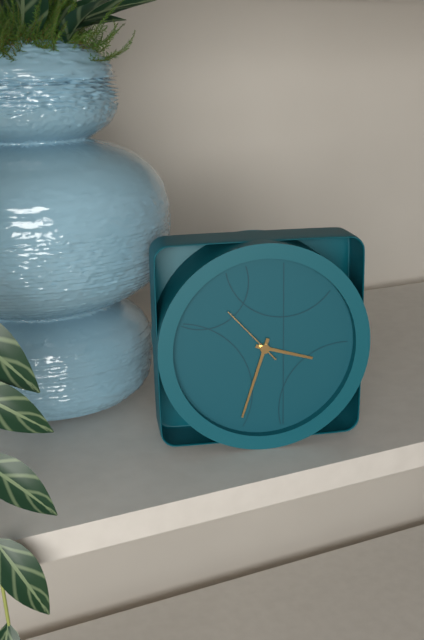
3:33:53
